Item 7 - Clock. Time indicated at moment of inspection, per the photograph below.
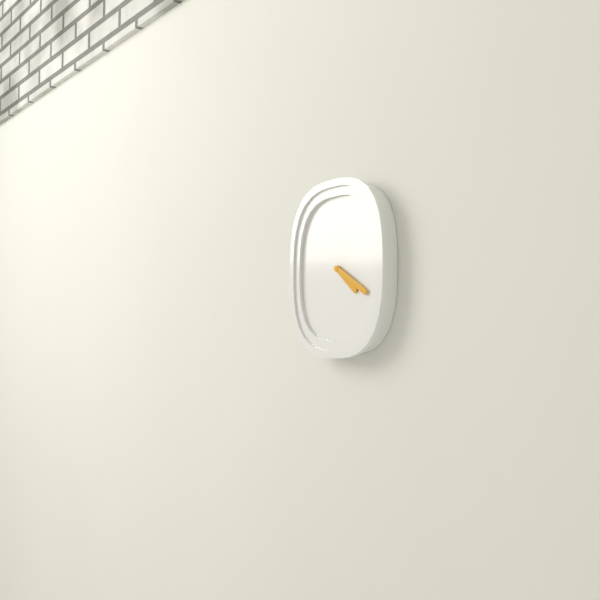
4:20
